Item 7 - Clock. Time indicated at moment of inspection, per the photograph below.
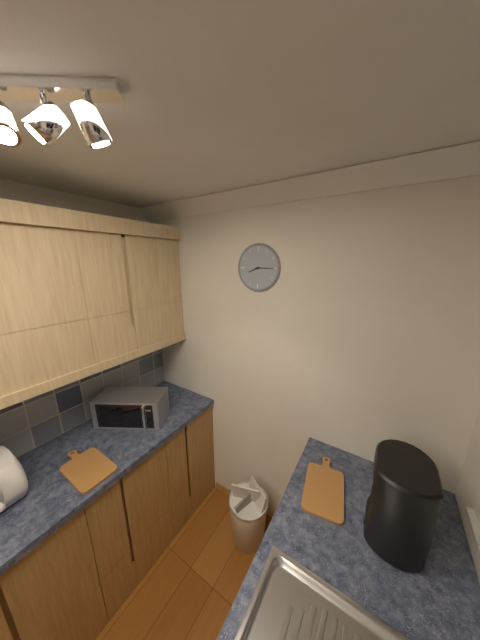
8:15
